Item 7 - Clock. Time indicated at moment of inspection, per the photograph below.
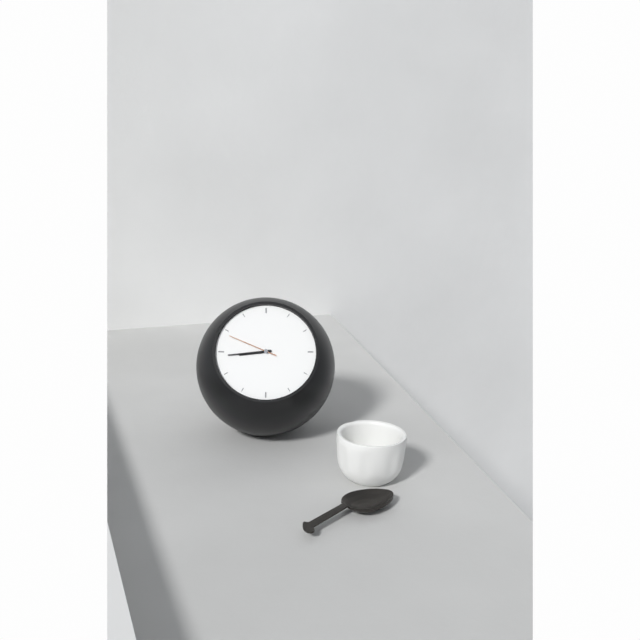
8:44:49
